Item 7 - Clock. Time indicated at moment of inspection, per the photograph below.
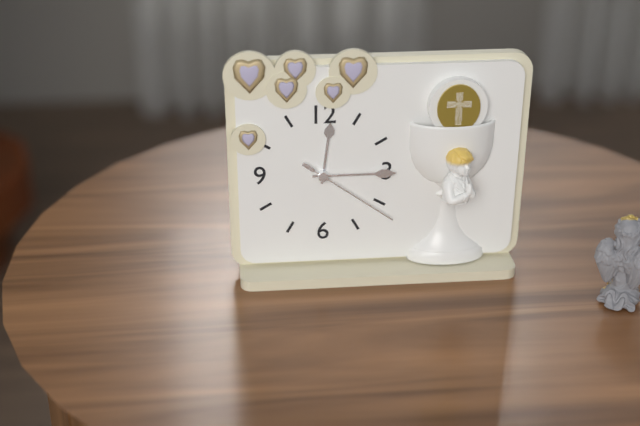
12:15:21
